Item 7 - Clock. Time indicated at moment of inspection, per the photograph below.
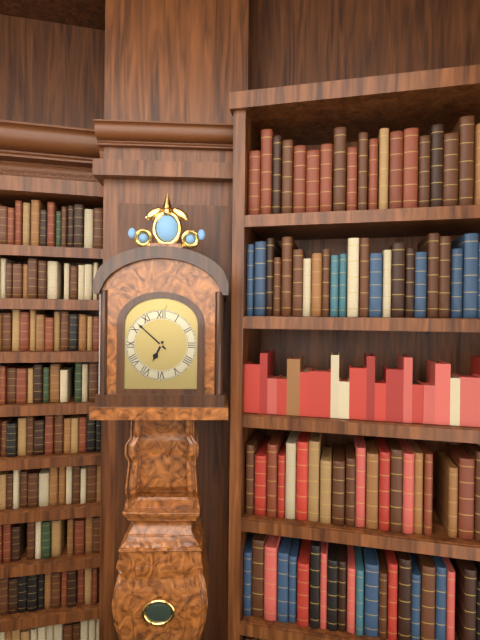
6:52
